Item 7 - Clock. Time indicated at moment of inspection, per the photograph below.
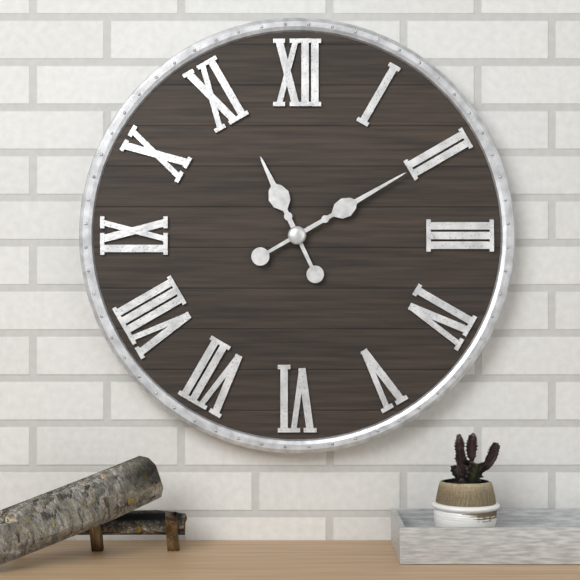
11:10
